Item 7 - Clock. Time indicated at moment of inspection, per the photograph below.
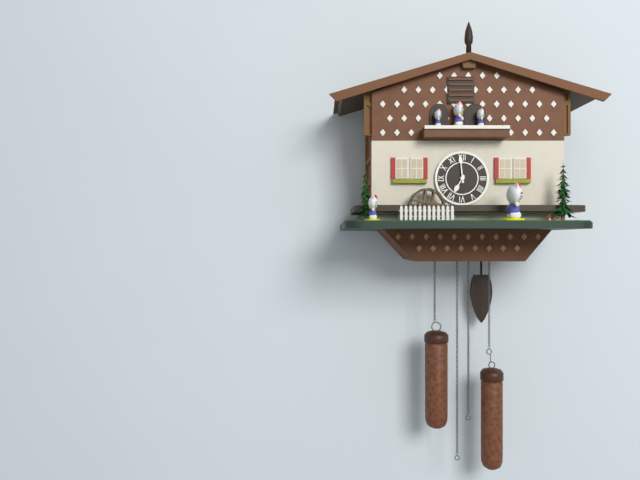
6:59
